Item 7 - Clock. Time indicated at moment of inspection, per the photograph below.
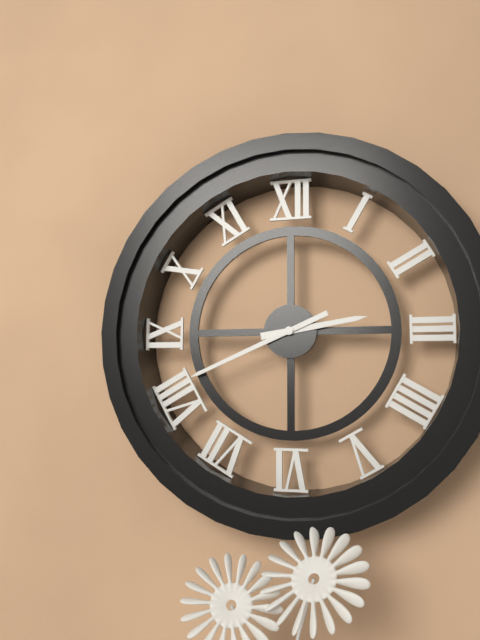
2:41
